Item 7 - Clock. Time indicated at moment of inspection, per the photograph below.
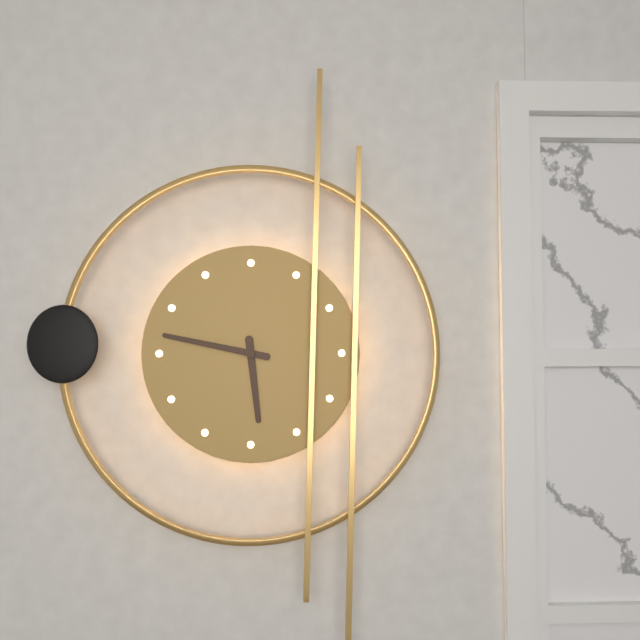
5:47
